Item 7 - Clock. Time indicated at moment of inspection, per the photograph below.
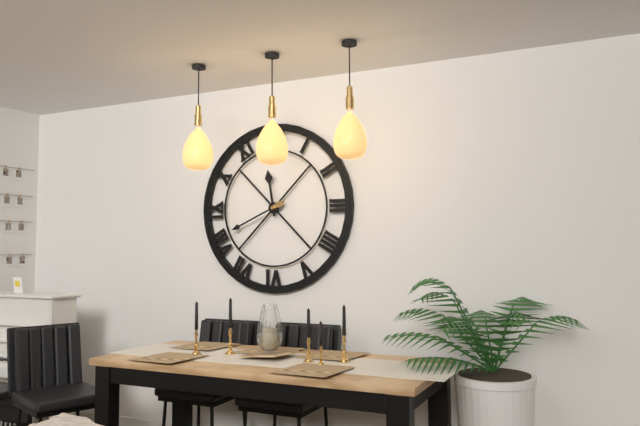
11:41
